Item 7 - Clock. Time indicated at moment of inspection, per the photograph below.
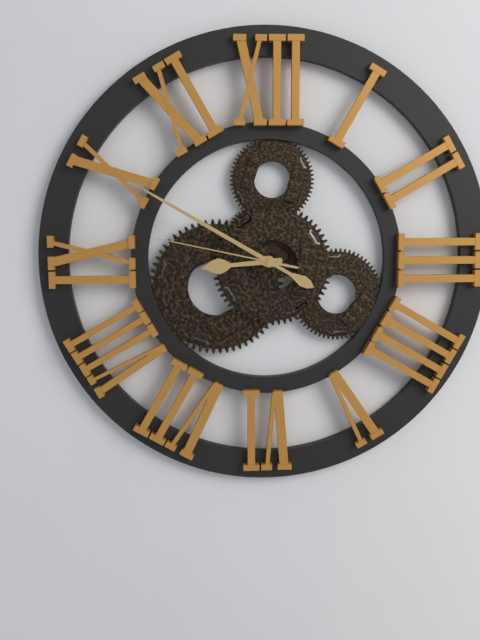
8:50:47
